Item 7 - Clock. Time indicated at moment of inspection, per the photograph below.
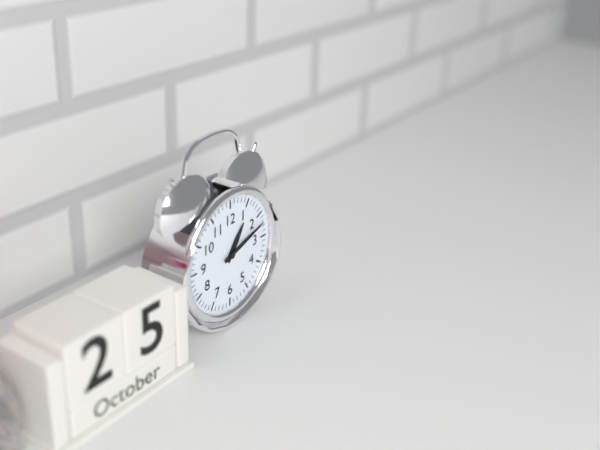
1:12
